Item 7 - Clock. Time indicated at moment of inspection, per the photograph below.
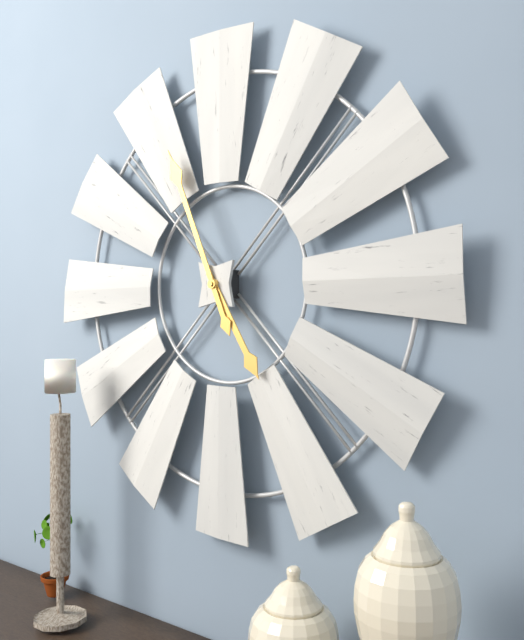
4:56
